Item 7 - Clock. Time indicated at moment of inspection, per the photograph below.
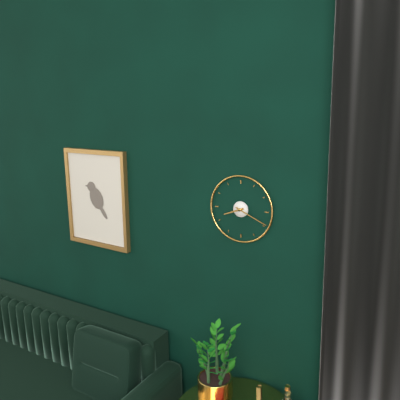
8:19
